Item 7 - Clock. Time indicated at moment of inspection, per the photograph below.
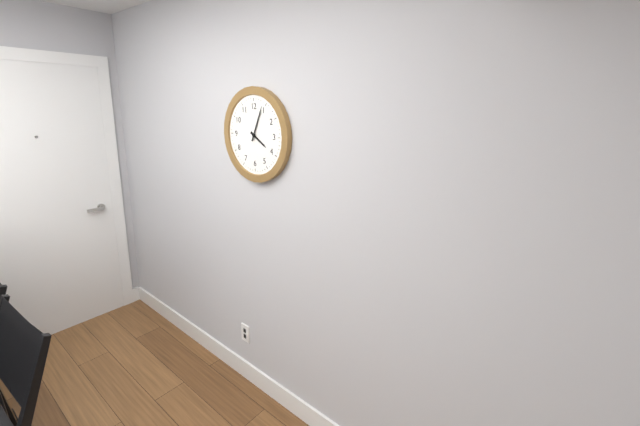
4:04
